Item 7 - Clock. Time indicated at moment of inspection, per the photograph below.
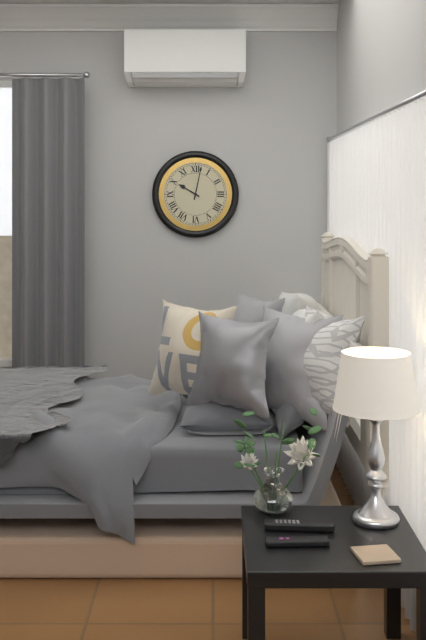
10:02
